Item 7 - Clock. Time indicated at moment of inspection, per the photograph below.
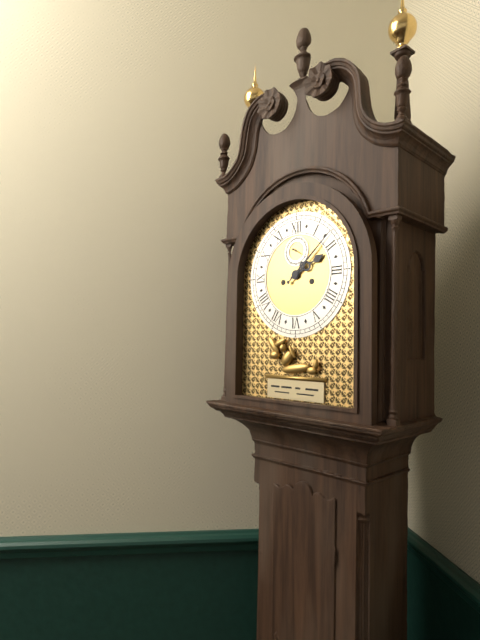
2:08
